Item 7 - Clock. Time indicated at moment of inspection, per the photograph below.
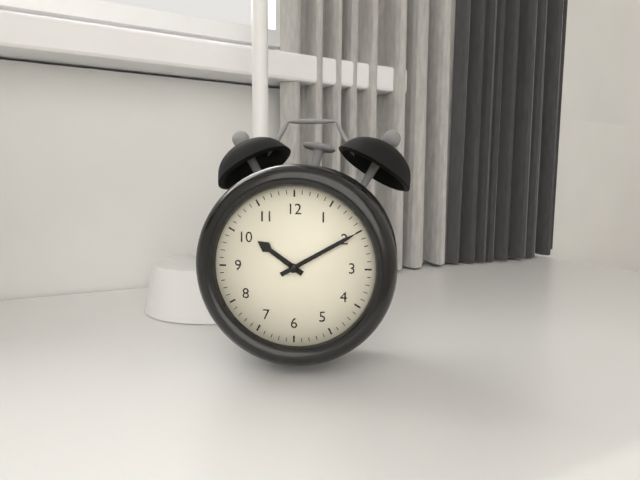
10:10
